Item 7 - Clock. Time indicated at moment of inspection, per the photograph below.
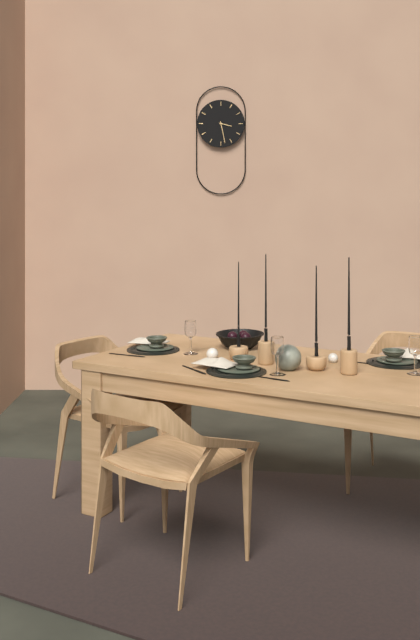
3:28
